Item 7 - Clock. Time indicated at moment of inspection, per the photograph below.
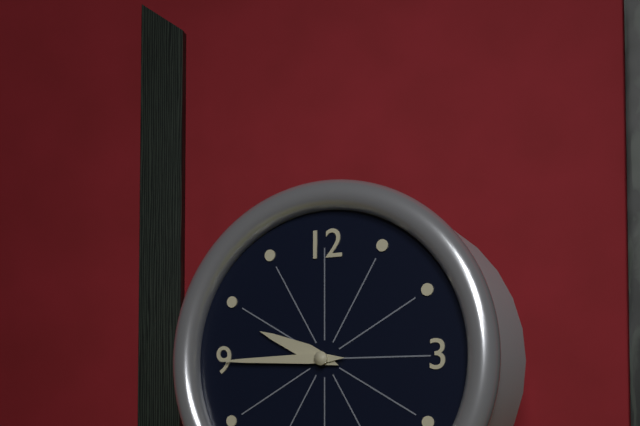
9:45
